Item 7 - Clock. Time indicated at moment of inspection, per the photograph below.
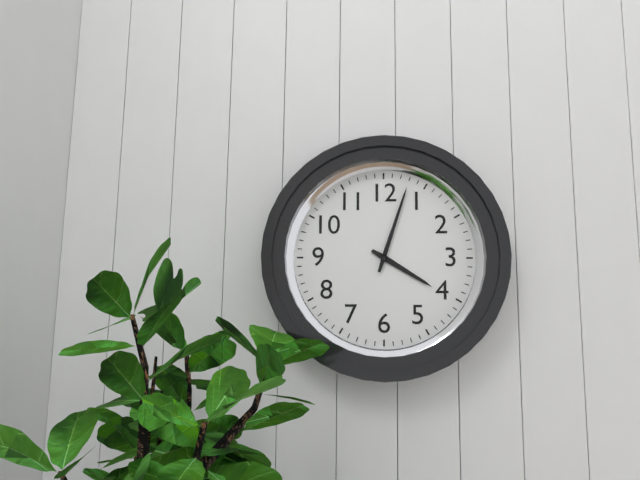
4:03
